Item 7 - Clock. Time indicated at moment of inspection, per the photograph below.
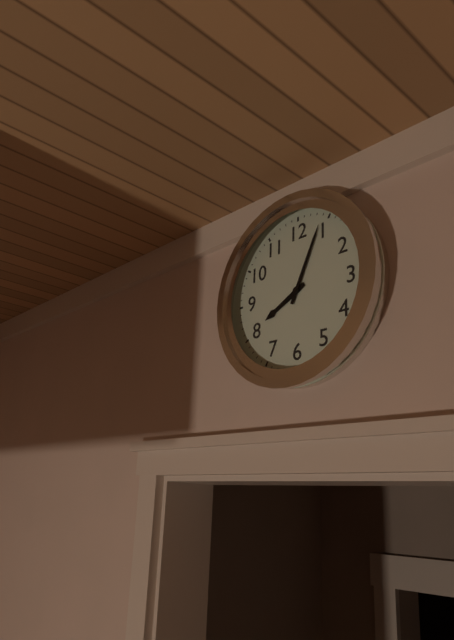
8:04
